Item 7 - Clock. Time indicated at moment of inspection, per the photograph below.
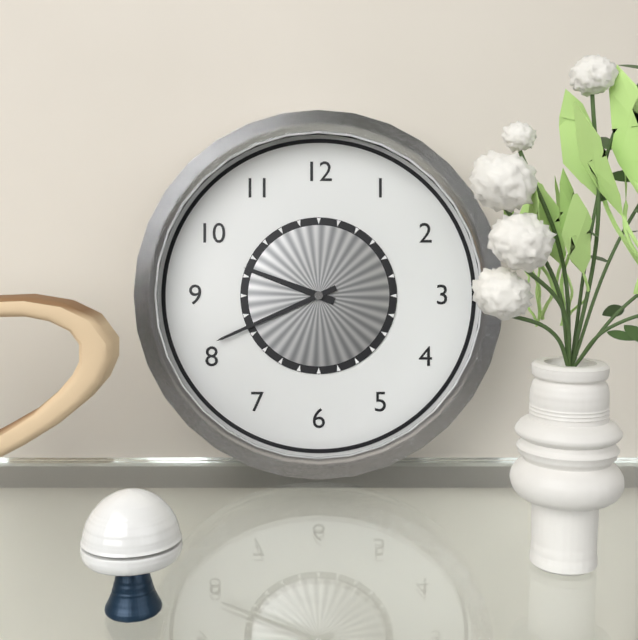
9:41
